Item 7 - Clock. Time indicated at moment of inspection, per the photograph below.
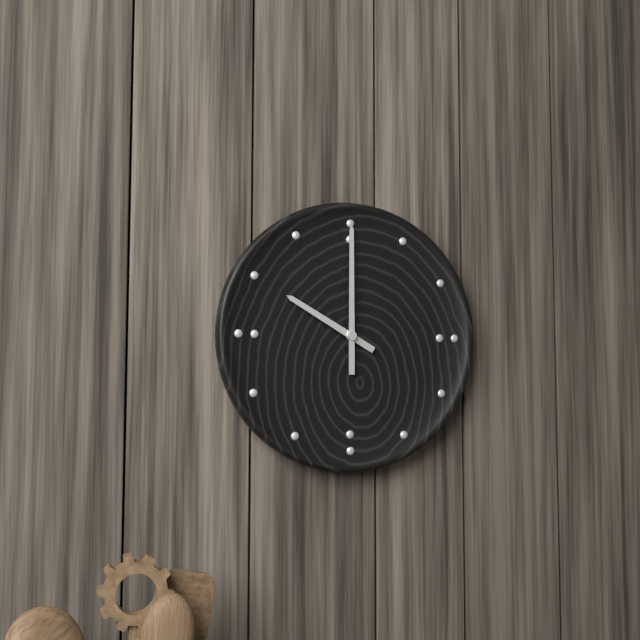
10:00
